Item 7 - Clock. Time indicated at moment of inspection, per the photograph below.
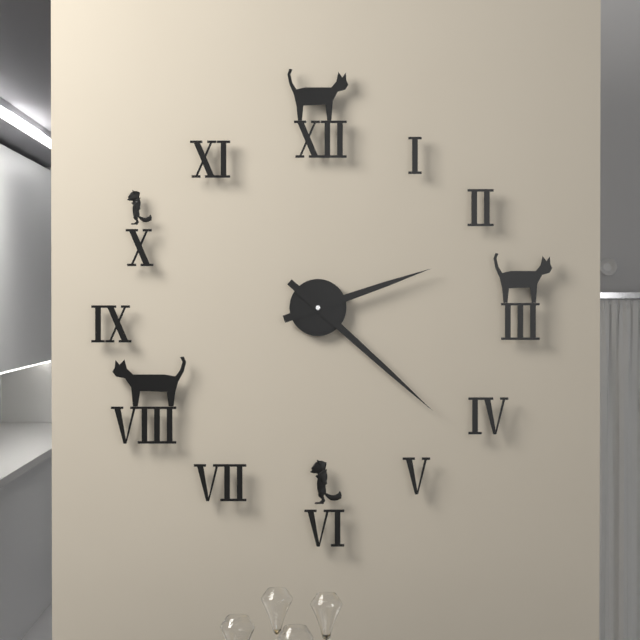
2:22
